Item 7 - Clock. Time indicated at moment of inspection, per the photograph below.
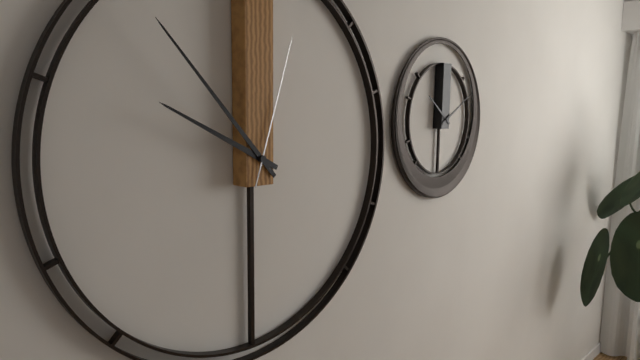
9:53:03
